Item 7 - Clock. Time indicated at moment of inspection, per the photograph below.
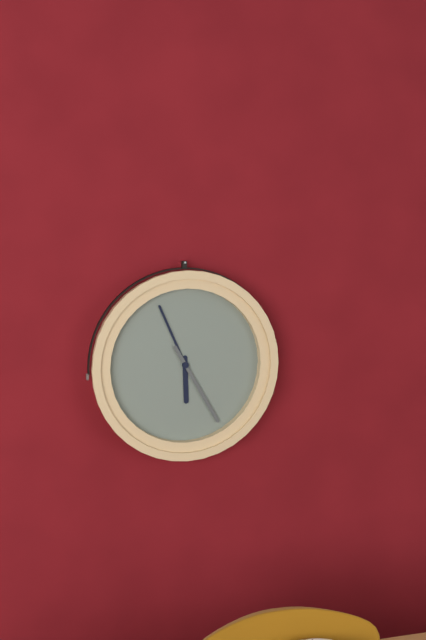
5:56:25
